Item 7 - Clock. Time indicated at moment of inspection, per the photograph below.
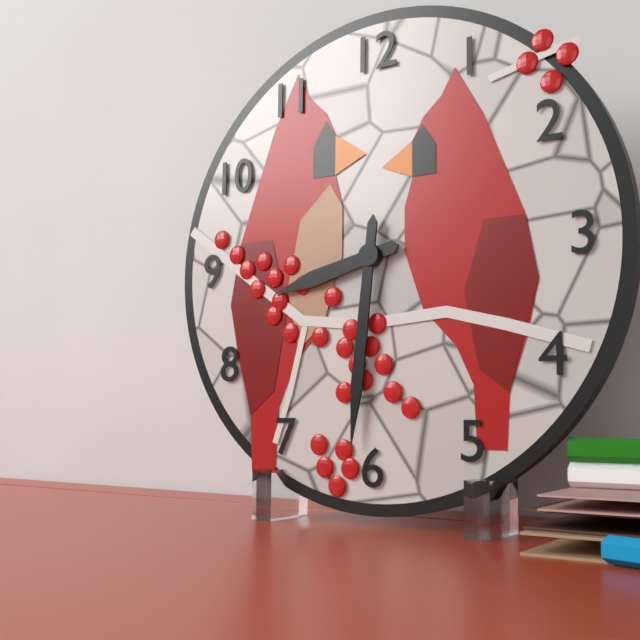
8:31
